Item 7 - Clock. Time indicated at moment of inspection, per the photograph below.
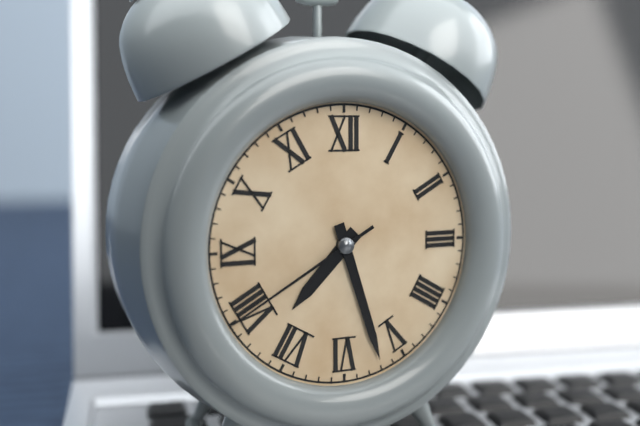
7:27:40
